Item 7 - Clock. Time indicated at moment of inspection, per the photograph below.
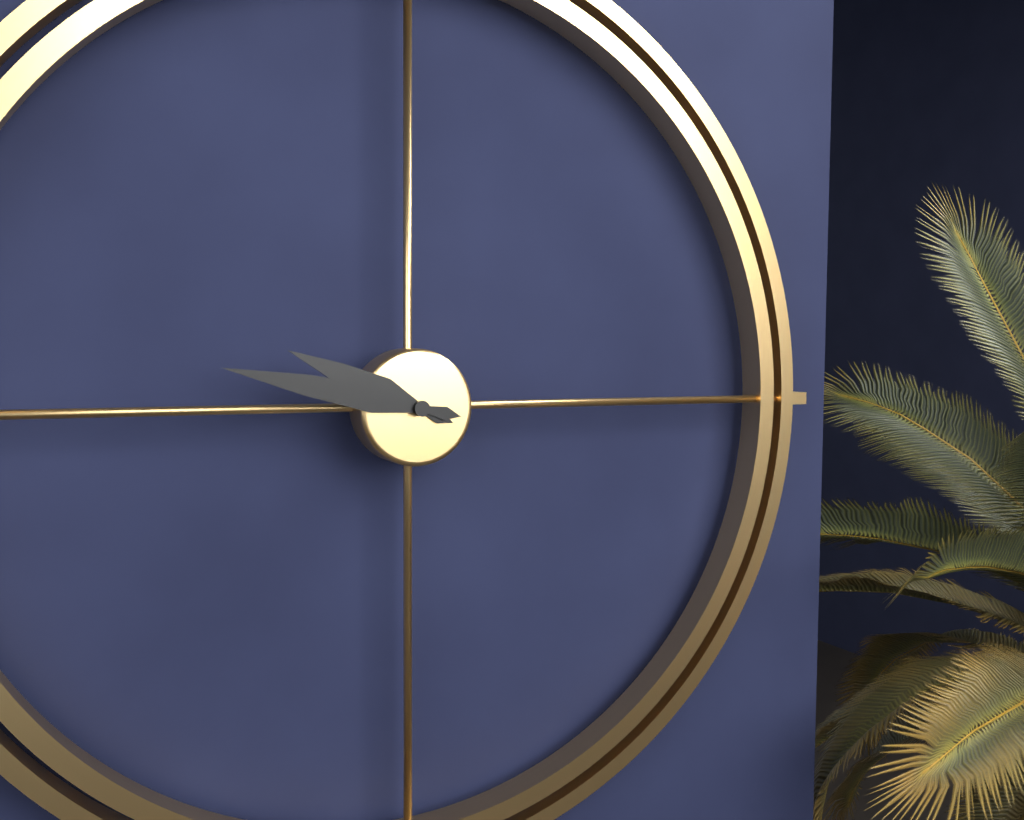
9:47
